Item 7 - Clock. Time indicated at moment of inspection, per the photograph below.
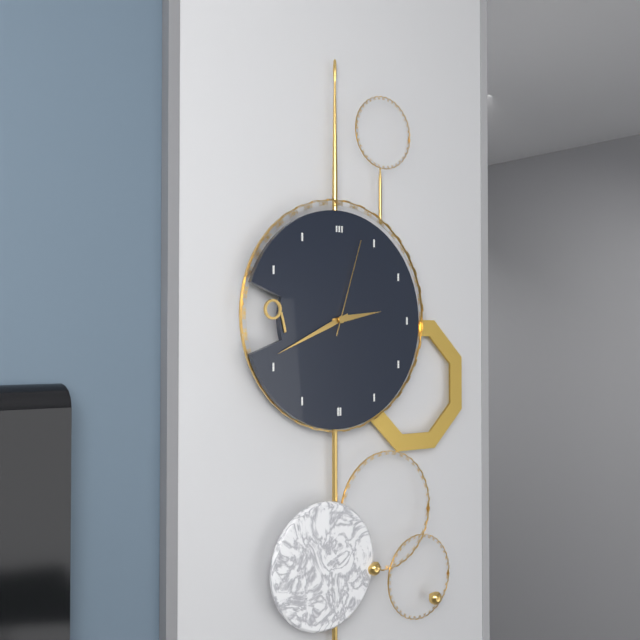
2:41:03
